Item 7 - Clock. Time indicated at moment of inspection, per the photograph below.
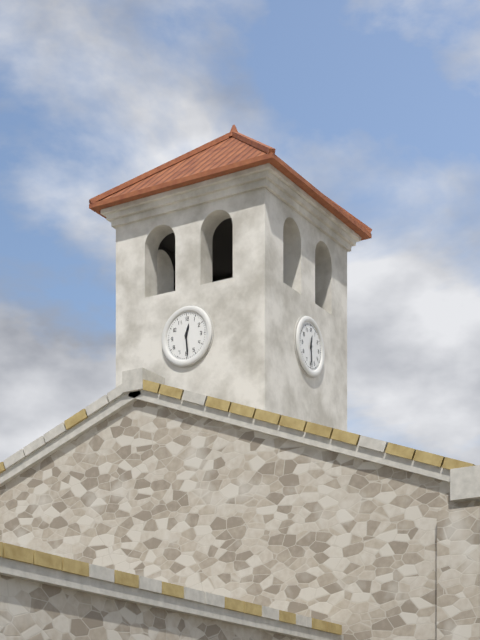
12:29
